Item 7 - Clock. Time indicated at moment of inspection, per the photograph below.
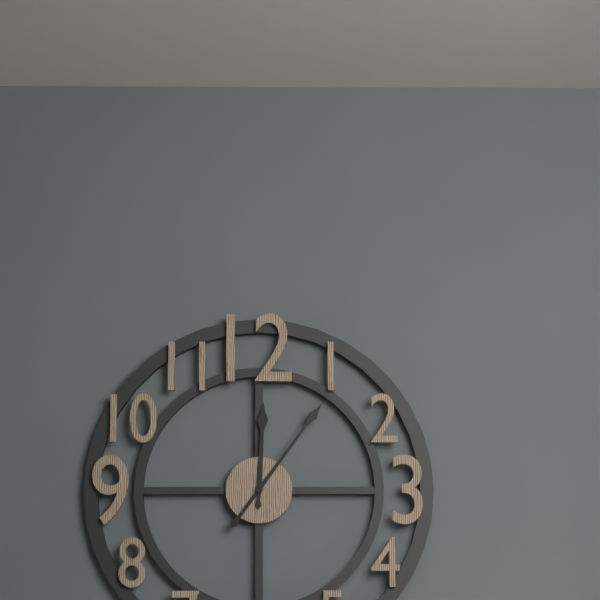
12:06
